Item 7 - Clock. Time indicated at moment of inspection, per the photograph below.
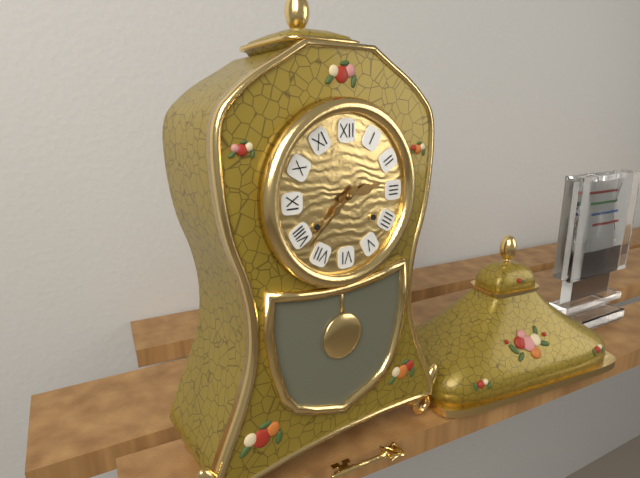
2:38
